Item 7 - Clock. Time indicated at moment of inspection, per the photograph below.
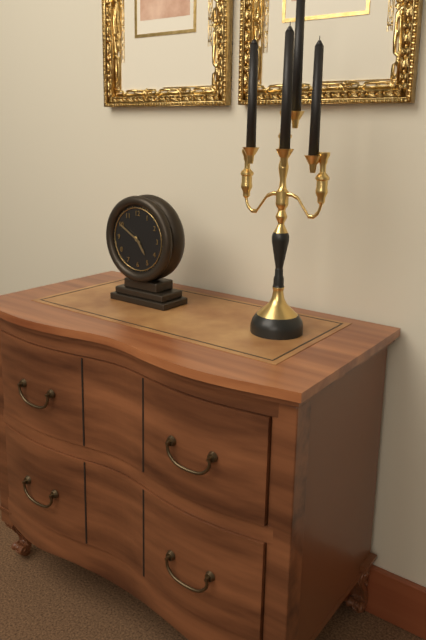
4:50
